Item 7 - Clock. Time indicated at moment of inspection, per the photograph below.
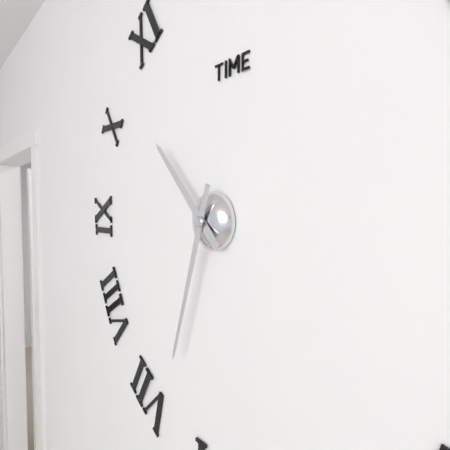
10:33
